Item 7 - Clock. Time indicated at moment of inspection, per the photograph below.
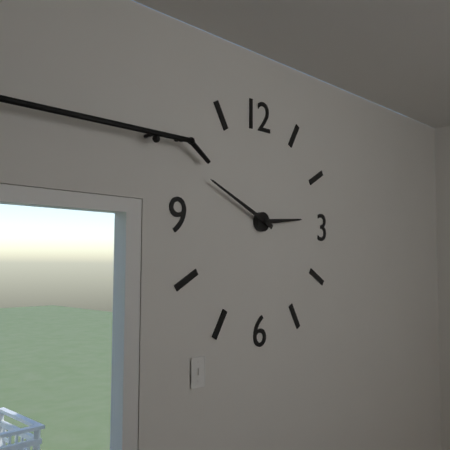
2:49
